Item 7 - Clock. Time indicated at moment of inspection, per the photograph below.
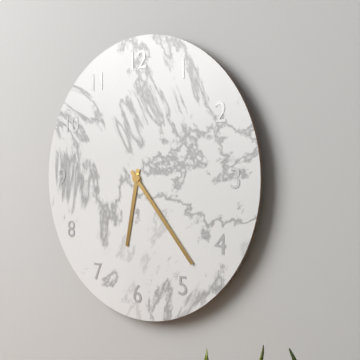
6:23
